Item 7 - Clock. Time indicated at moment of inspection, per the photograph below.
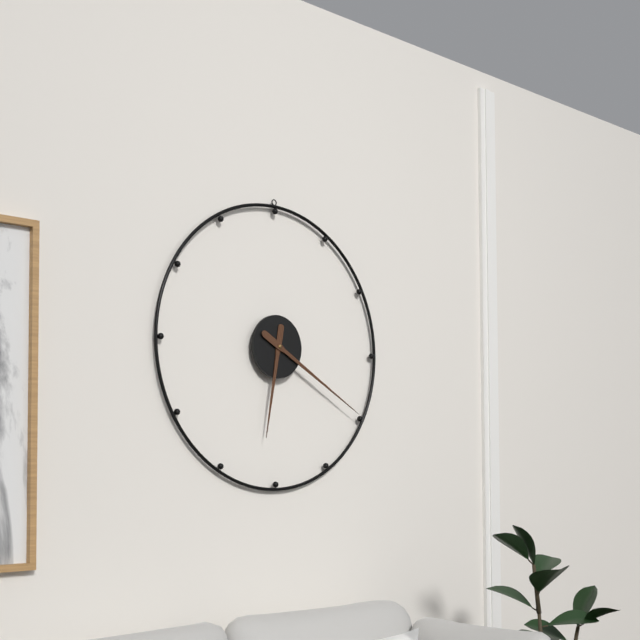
6:20
